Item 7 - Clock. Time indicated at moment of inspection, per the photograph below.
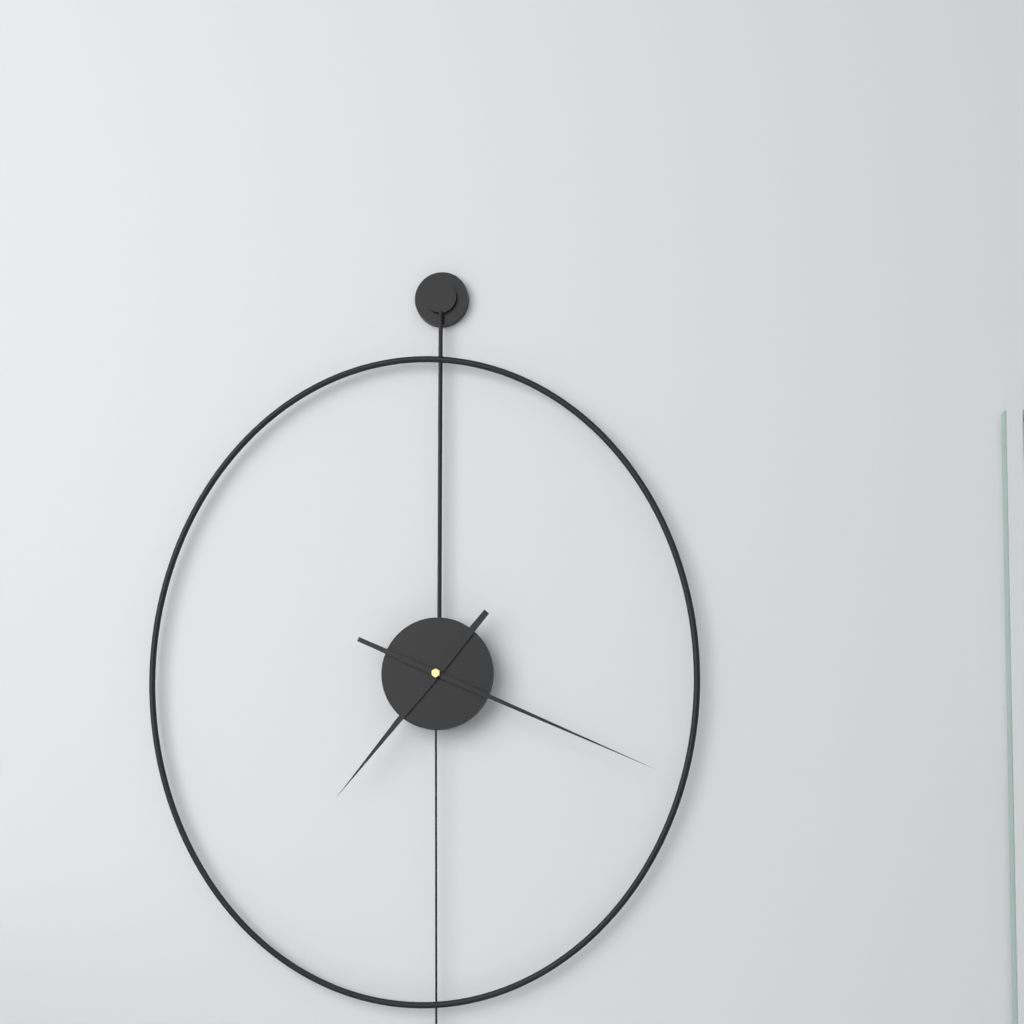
7:19
